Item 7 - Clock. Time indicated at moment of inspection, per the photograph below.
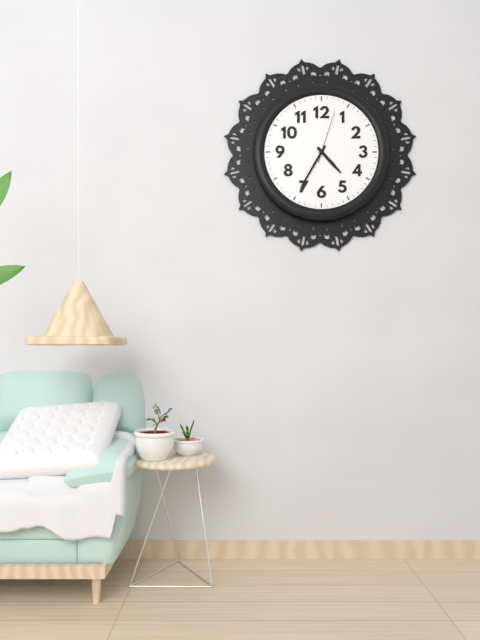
4:35:03
